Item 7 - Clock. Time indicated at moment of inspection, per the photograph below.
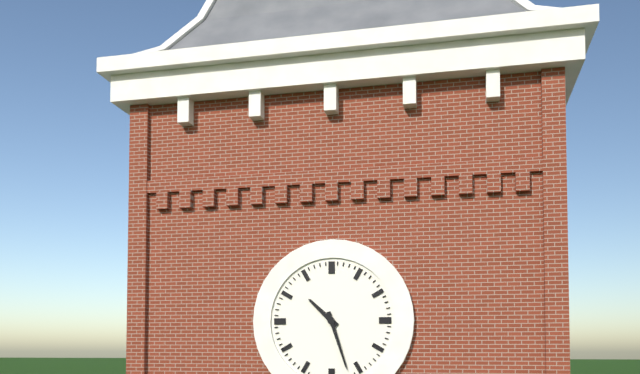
10:27
